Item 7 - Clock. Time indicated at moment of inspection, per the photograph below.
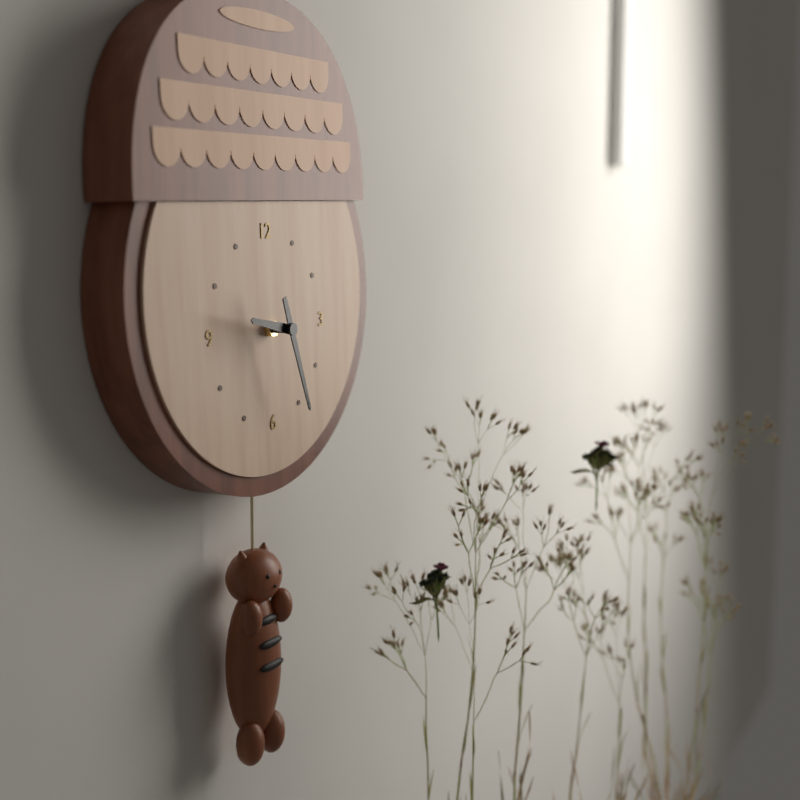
9:27
